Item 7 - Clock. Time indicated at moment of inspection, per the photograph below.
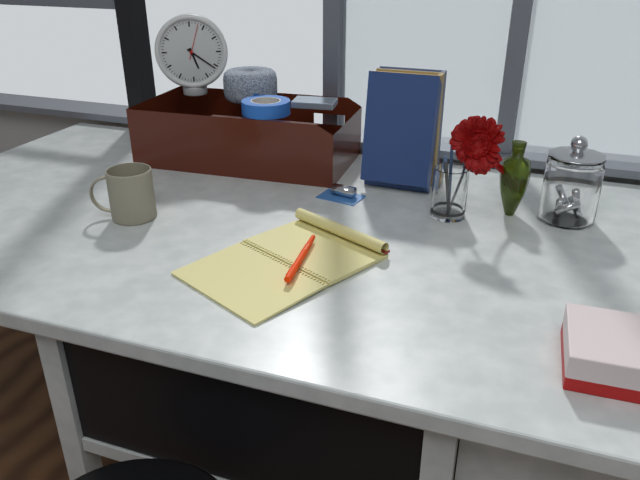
5:21
